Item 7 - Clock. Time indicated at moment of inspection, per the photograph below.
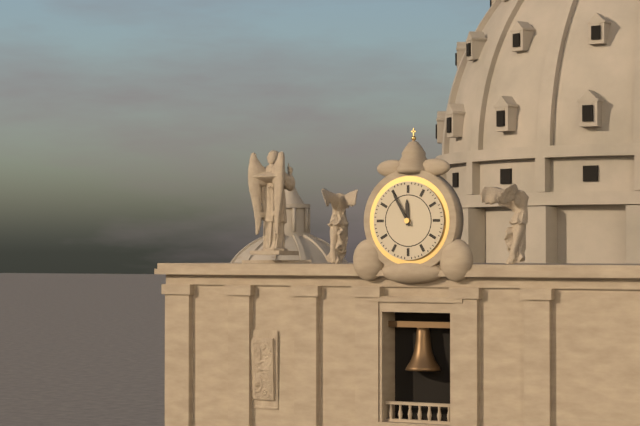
11:55
